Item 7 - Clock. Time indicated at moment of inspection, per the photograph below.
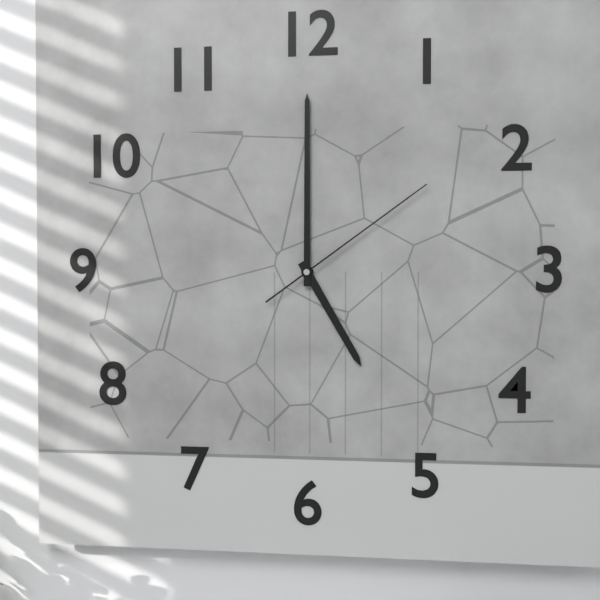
5:00:09
